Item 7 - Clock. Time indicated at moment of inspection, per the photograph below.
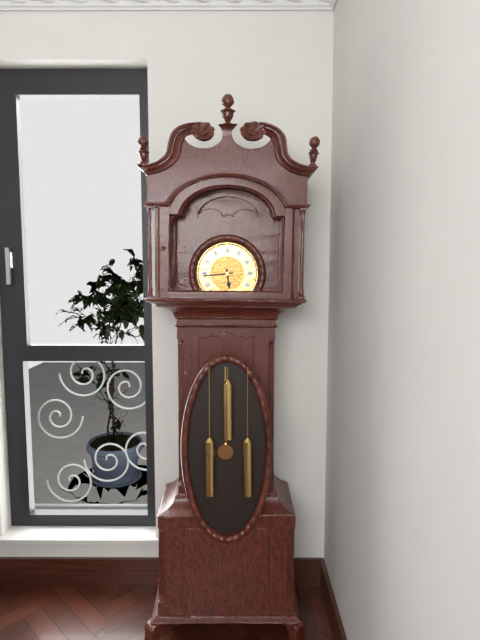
5:44
